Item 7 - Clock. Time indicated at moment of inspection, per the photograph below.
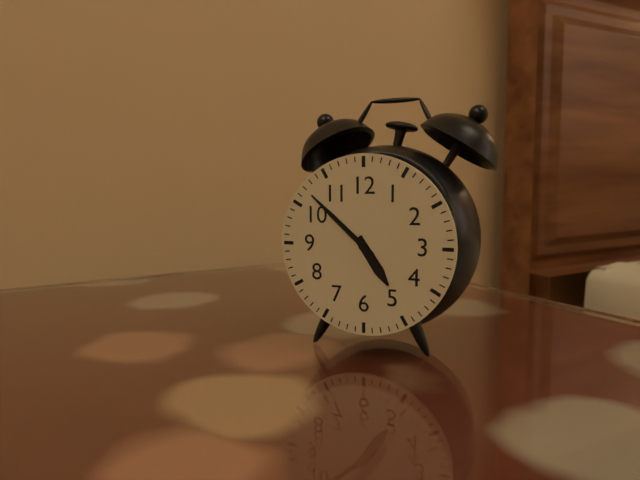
4:52
